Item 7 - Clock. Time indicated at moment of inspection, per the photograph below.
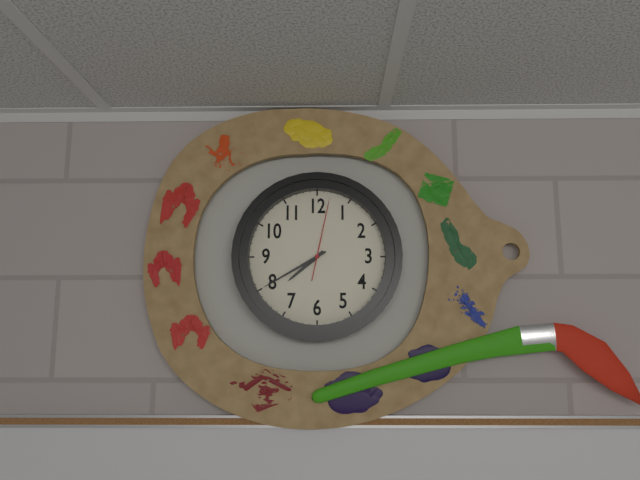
7:40:02
